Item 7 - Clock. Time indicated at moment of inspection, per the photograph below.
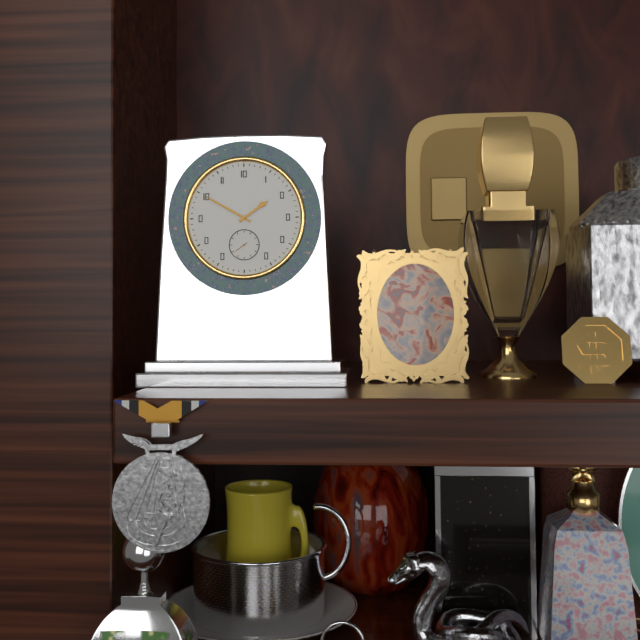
1:50
